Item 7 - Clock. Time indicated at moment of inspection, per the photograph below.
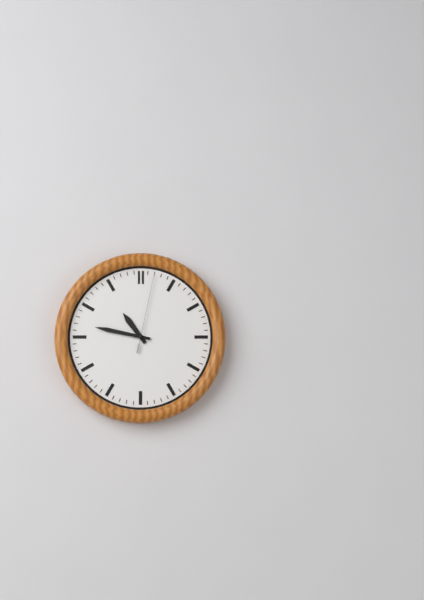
10:47:02
